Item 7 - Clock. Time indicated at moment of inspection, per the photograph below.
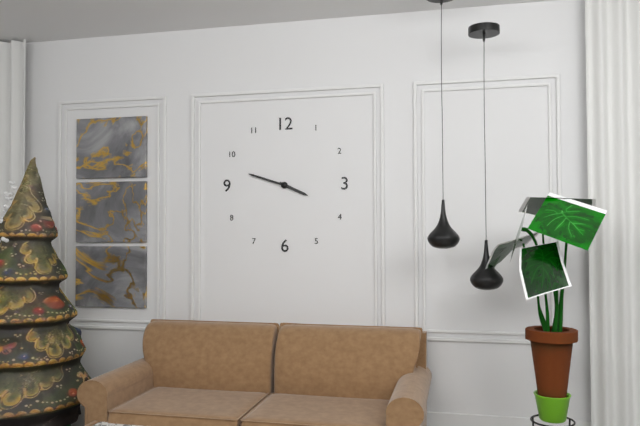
3:48
